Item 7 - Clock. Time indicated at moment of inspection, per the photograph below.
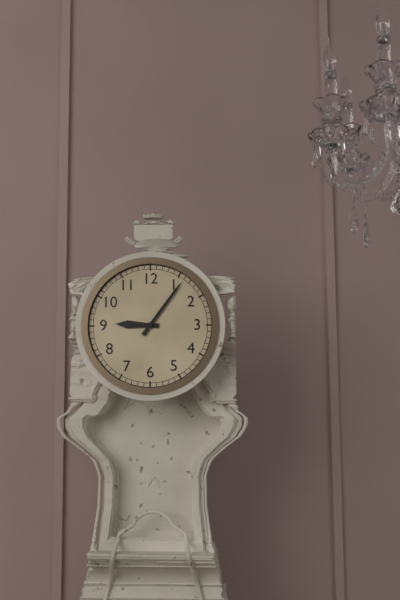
9:06
